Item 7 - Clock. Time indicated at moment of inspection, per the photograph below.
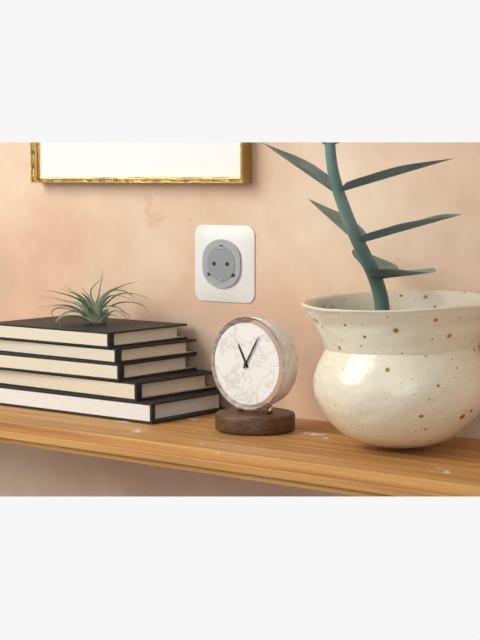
11:05
